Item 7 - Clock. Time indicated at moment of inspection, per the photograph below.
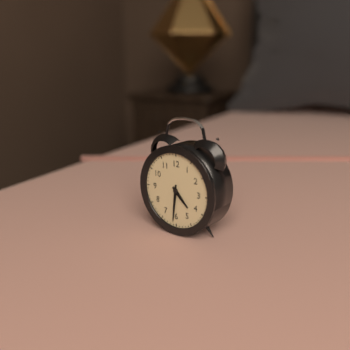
4:31
